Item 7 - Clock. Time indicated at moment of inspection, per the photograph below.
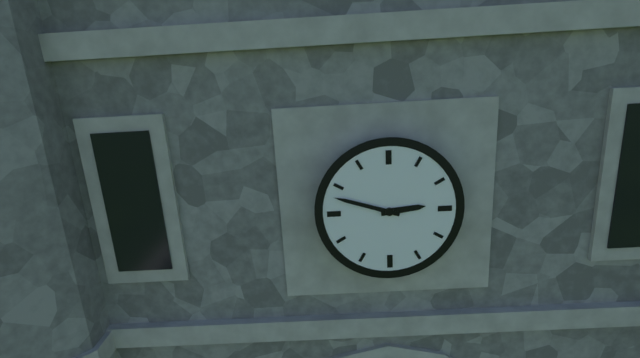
2:48
